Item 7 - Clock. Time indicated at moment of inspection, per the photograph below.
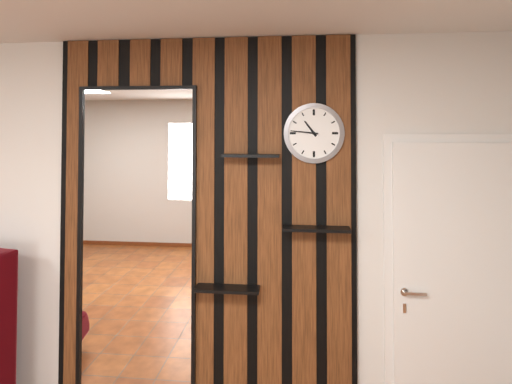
10:46
